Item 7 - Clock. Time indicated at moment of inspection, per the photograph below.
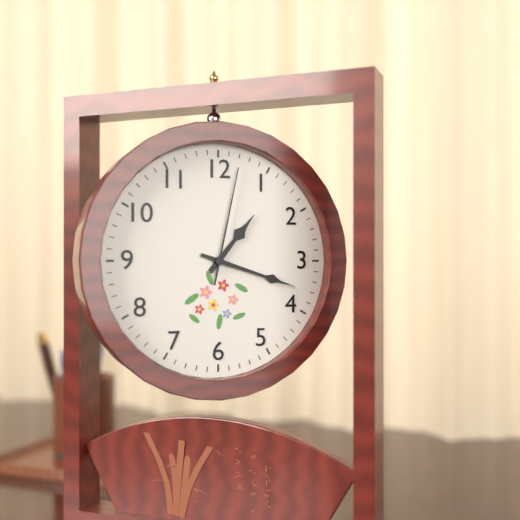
1:18:02
